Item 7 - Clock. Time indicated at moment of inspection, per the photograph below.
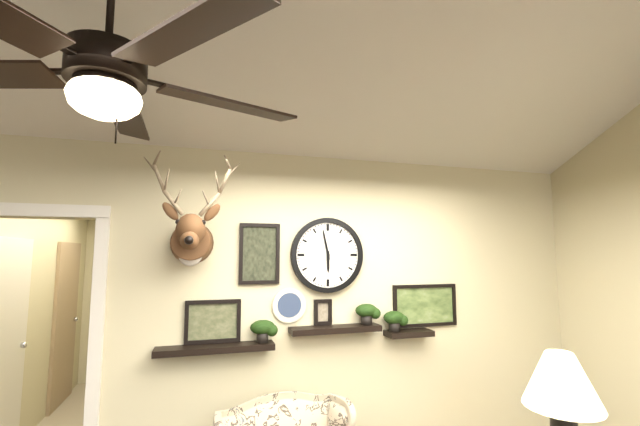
5:58
